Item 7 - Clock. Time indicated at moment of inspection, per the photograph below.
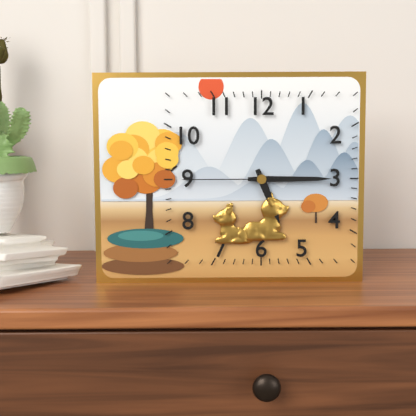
5:15:45
